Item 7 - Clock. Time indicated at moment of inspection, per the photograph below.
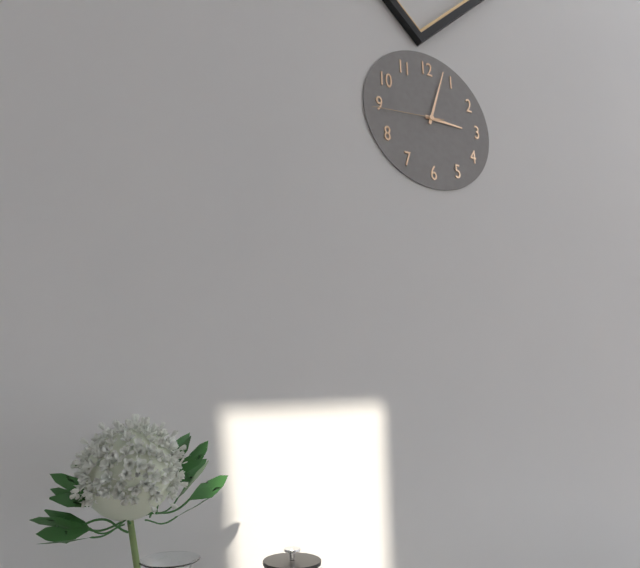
3:03:44
